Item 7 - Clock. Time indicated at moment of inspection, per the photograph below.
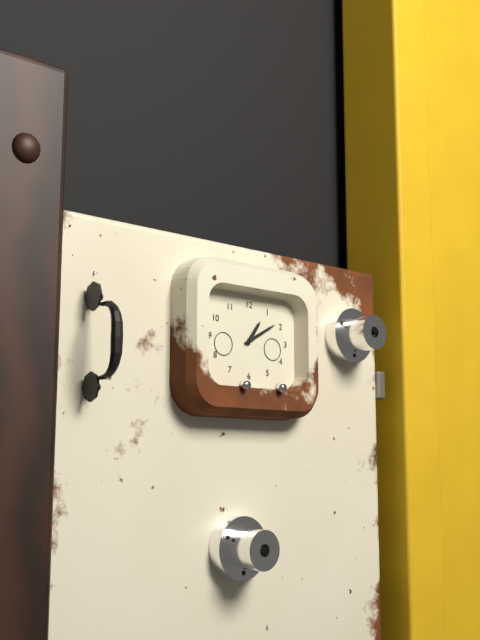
1:10
